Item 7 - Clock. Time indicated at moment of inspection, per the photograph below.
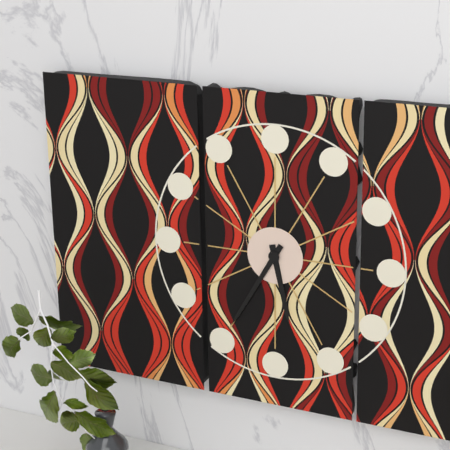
5:35
